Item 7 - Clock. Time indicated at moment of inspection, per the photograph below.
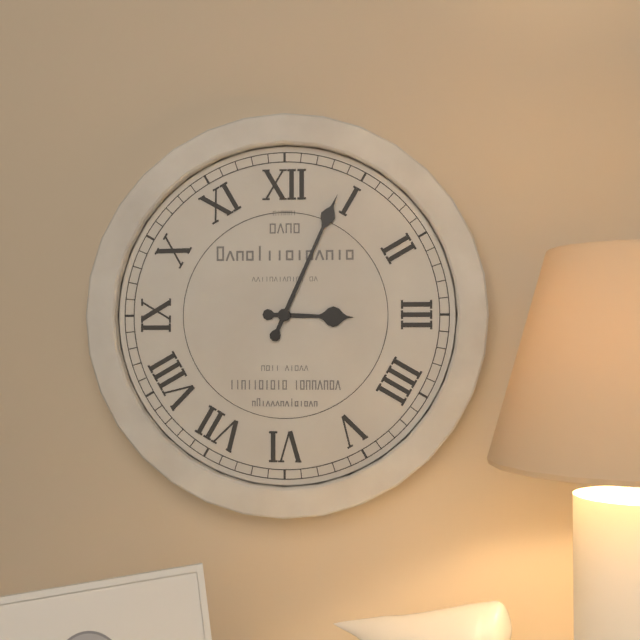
3:04
